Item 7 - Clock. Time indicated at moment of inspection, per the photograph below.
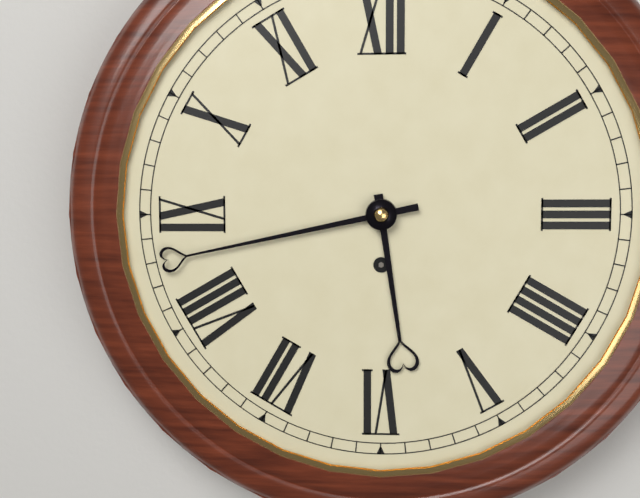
5:43
